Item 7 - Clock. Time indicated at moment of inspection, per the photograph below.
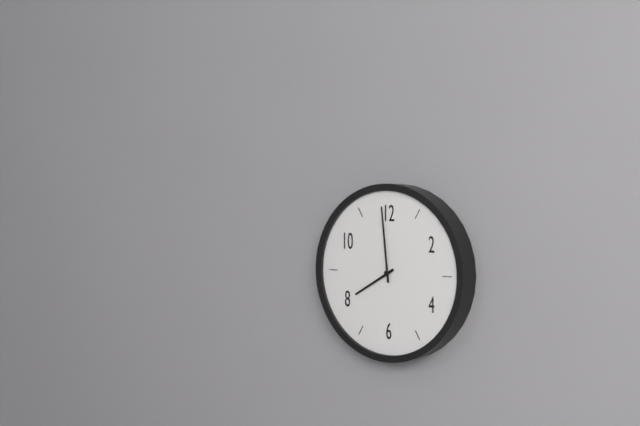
7:59
